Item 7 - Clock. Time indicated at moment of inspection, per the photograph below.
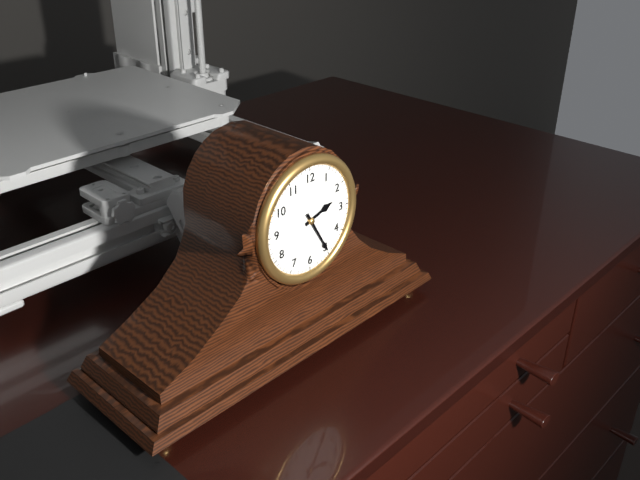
2:25
